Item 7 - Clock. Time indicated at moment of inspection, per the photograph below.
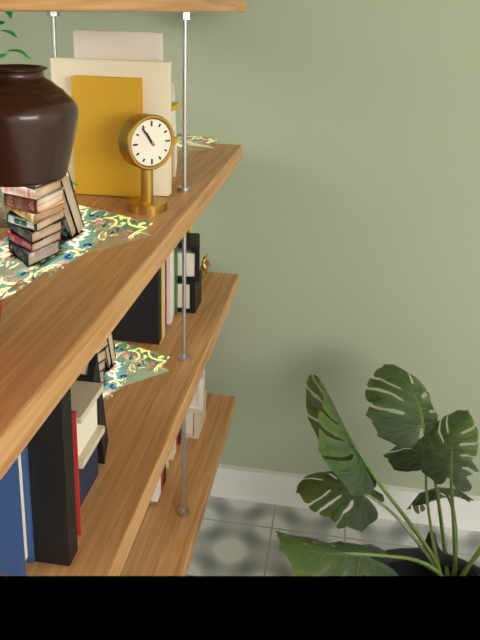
10:54
